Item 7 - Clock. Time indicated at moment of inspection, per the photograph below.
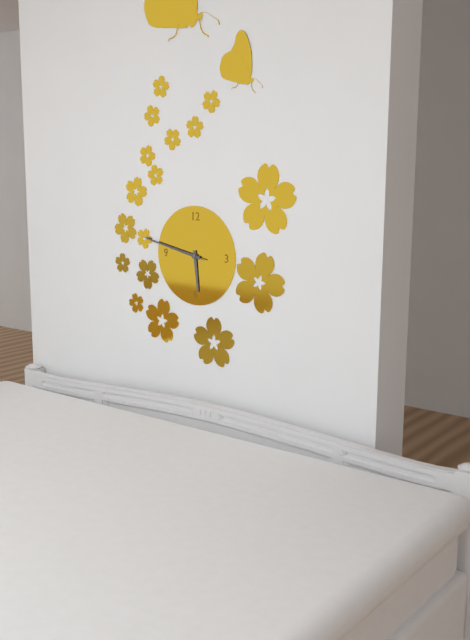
5:47:47
